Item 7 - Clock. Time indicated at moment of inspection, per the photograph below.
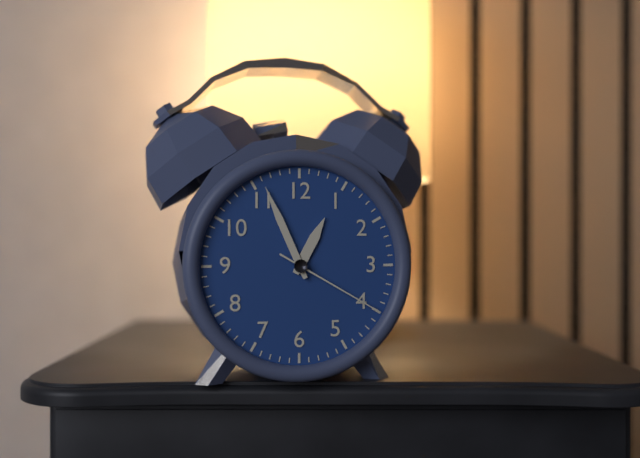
12:56:20
